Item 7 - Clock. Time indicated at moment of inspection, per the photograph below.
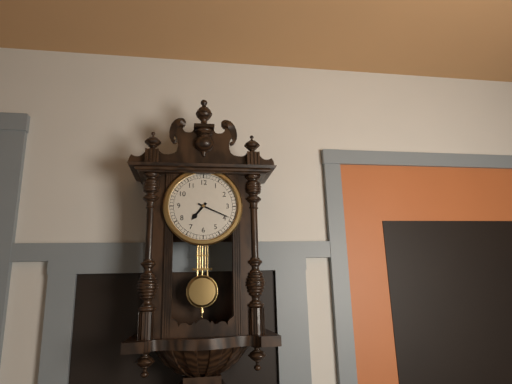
7:19
